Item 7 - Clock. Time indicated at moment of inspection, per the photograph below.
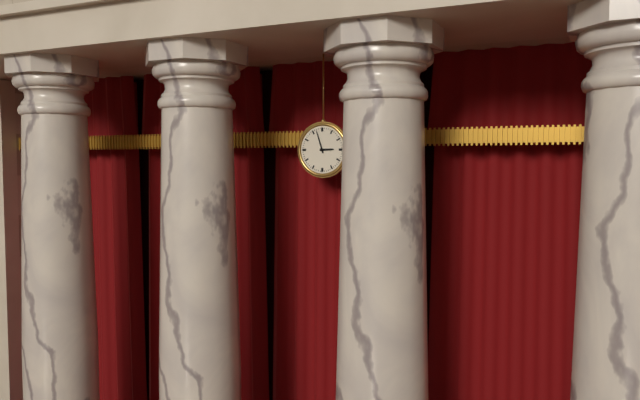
2:57
